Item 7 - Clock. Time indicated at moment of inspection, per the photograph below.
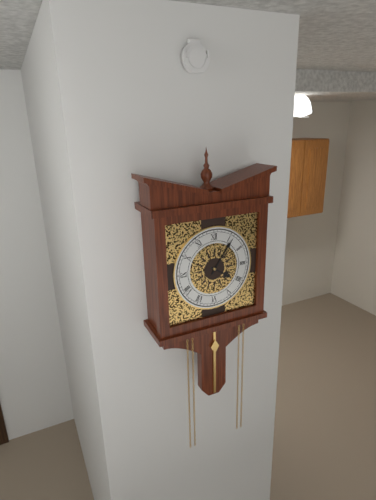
4:06
